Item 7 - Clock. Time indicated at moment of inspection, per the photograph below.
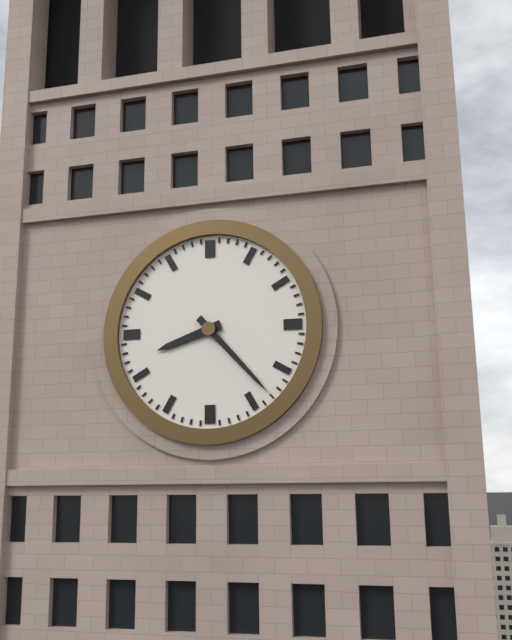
8:23
